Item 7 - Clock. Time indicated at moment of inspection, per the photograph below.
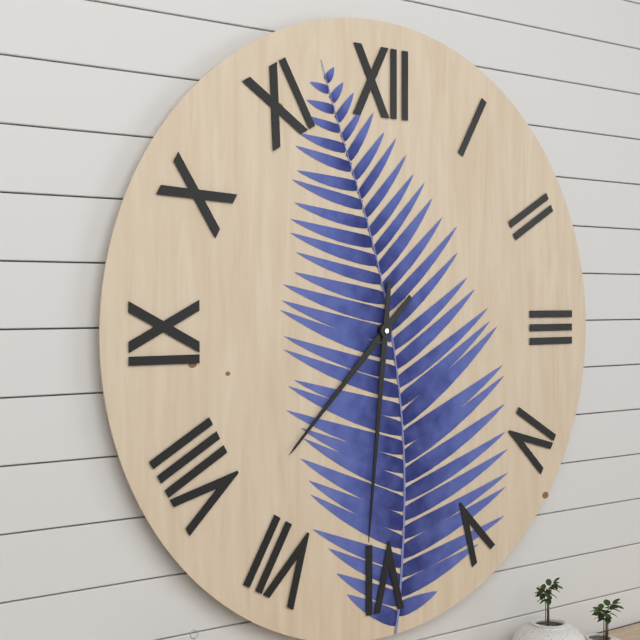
7:31
